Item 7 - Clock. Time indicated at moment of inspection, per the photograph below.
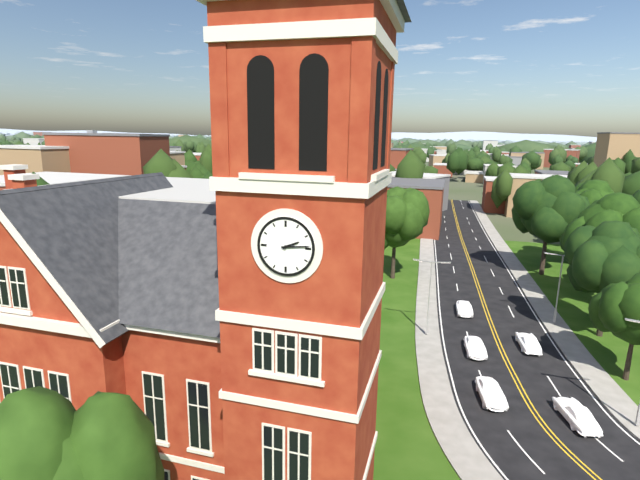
2:14
